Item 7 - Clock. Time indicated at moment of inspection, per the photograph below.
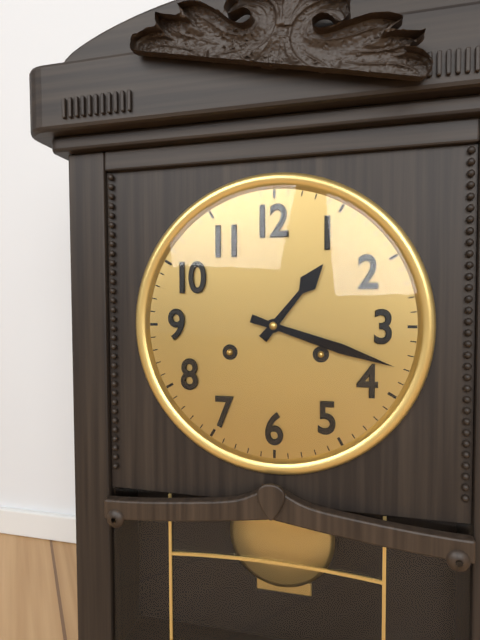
1:18
